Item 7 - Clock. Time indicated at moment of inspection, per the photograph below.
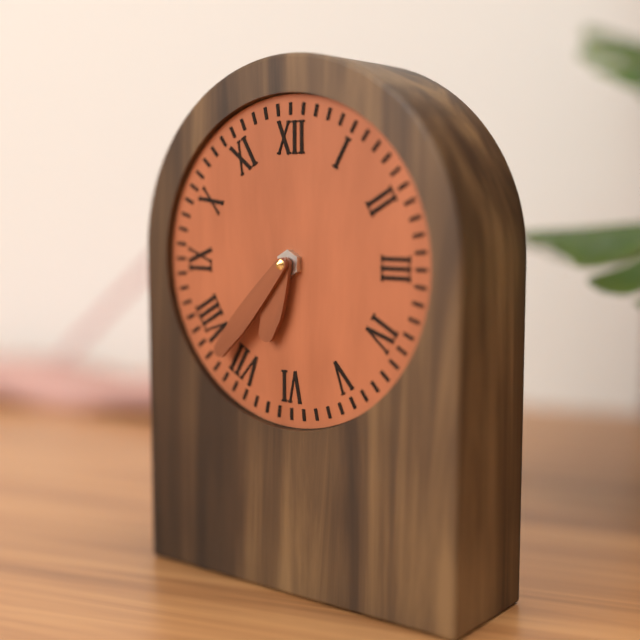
6:37
